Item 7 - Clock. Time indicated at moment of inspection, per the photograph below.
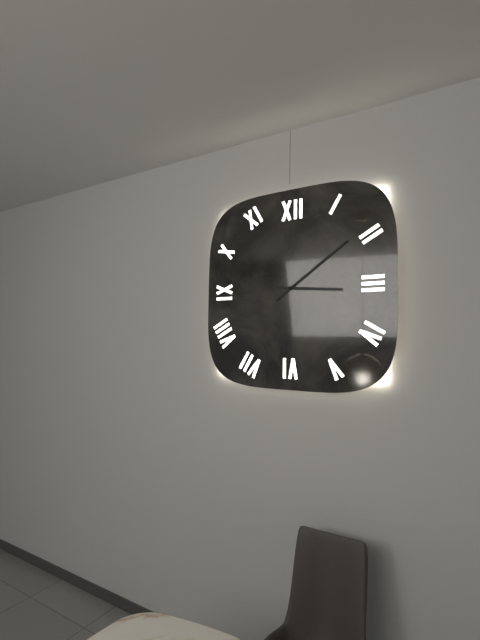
3:09
